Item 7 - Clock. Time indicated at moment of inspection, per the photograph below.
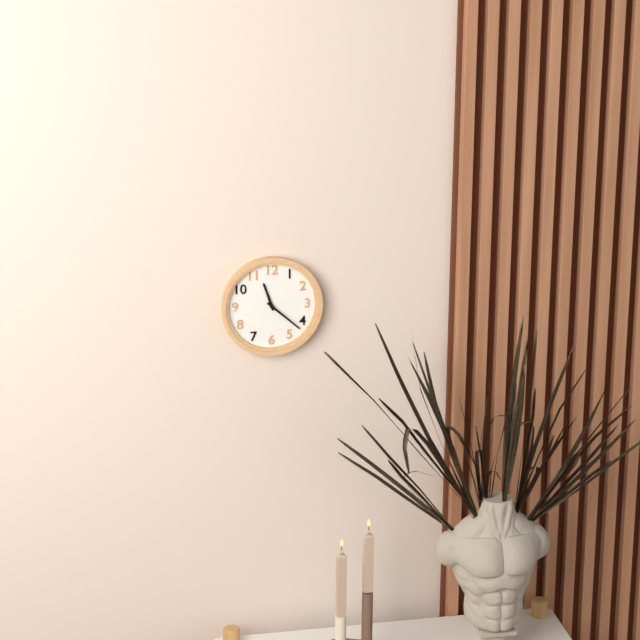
11:22
